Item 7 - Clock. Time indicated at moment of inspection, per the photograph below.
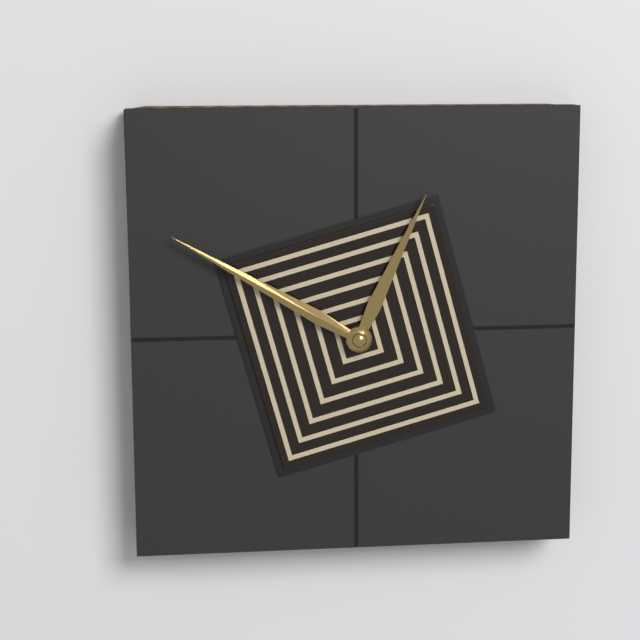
12:50
